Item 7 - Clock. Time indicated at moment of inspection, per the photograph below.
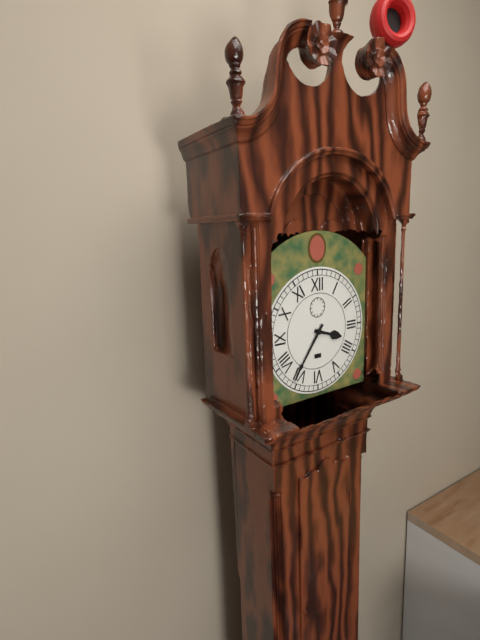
3:36
